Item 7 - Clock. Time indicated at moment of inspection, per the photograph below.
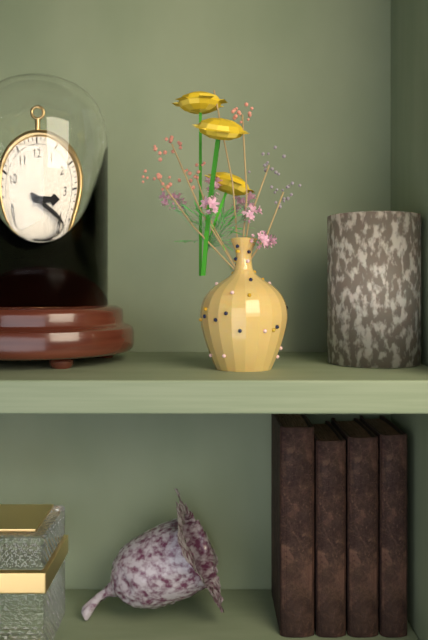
3:20
